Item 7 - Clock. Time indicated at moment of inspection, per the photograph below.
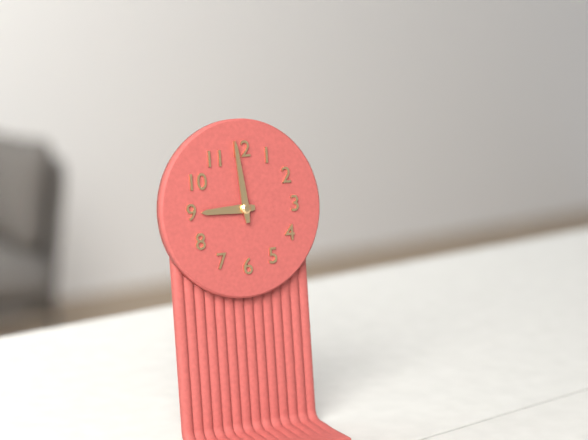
8:59
